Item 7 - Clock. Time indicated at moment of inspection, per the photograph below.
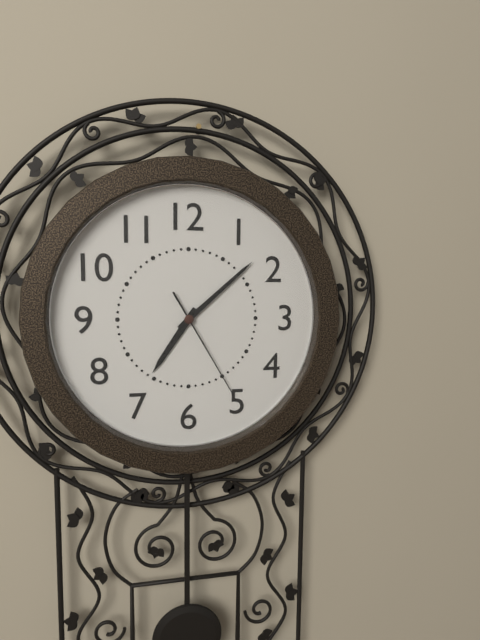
7:08:25
